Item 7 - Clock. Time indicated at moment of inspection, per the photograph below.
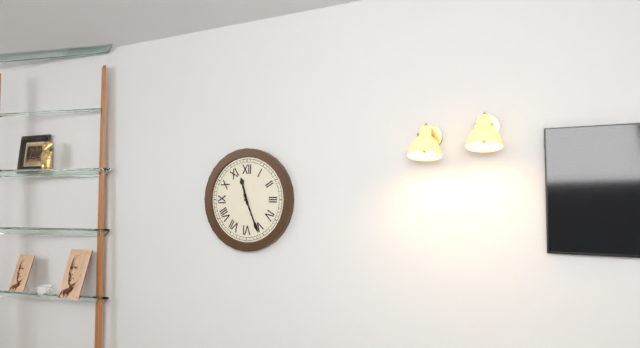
11:26
